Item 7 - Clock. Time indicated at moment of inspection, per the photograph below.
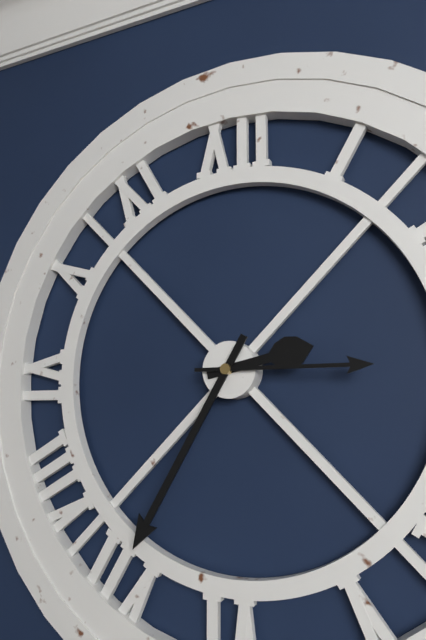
2:35:15
